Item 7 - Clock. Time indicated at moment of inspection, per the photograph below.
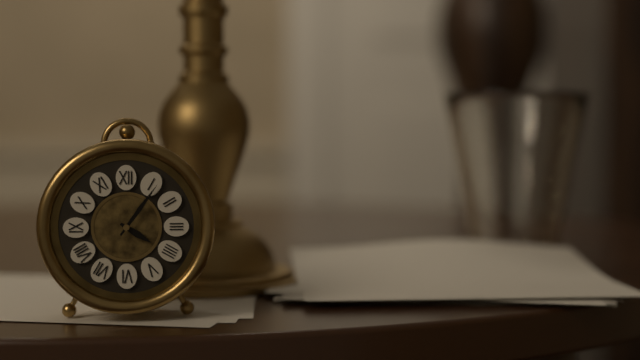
4:06
